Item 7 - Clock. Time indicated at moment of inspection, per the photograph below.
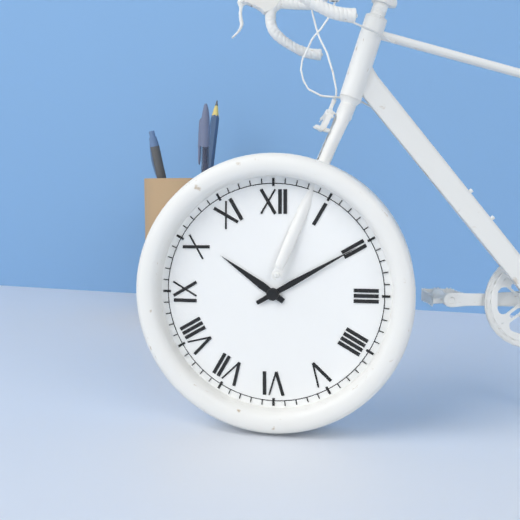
10:10
